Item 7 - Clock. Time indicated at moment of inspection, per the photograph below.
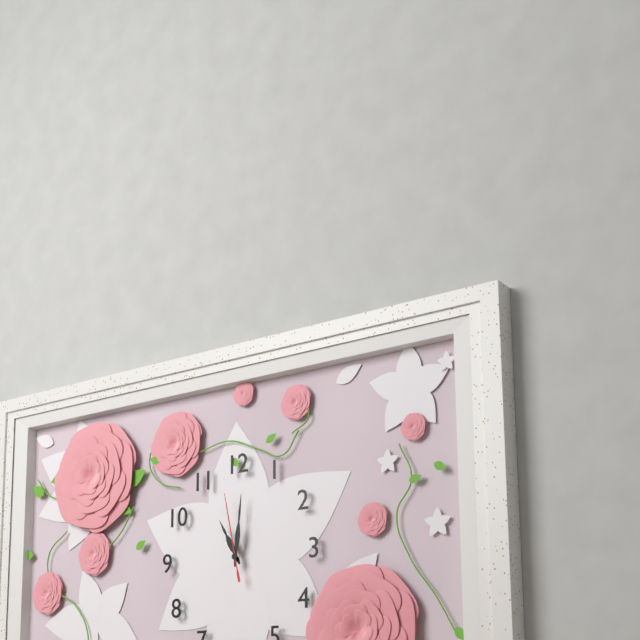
11:01:58
